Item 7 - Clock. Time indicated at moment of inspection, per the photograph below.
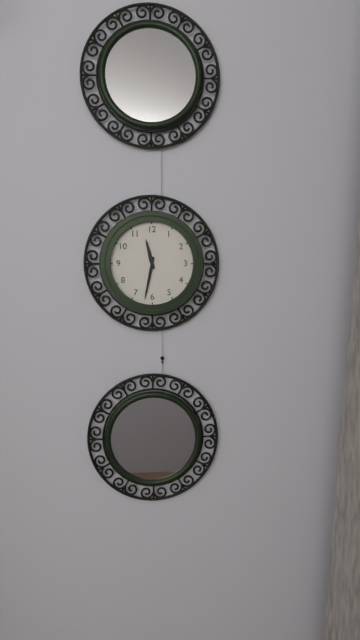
11:32
